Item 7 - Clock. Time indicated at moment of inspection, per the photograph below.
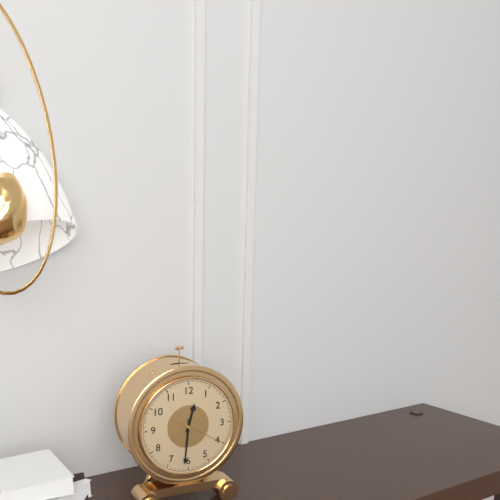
12:31
